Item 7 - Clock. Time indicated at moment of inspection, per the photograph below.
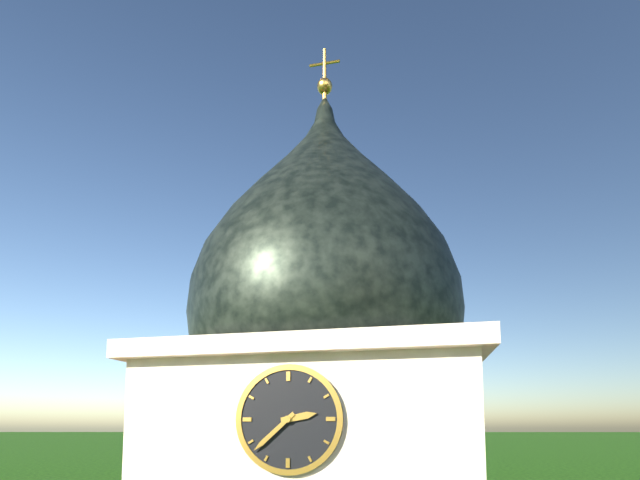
2:38
